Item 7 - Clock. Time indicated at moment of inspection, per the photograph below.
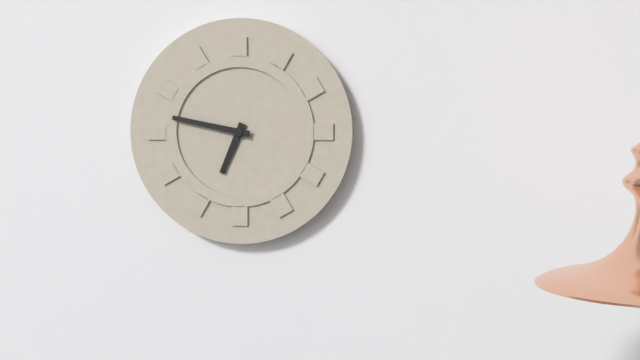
6:47
